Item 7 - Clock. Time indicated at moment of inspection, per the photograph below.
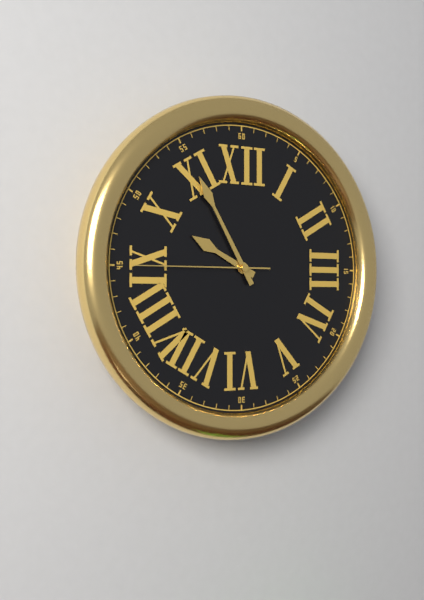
9:55:45
